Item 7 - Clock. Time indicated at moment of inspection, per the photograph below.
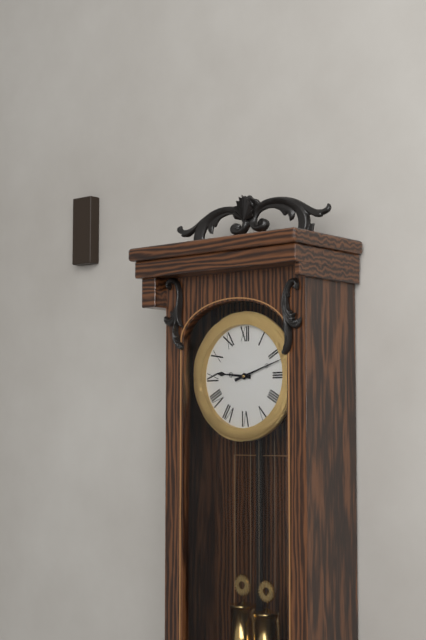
9:12
